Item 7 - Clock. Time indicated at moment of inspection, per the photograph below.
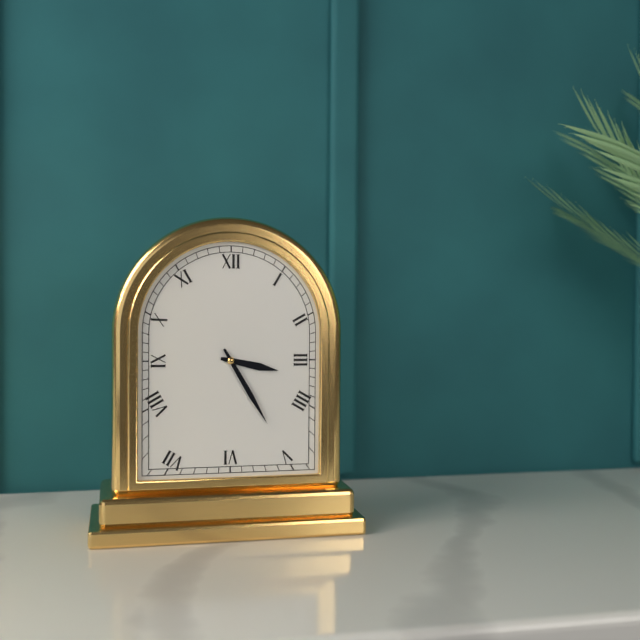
3:25
